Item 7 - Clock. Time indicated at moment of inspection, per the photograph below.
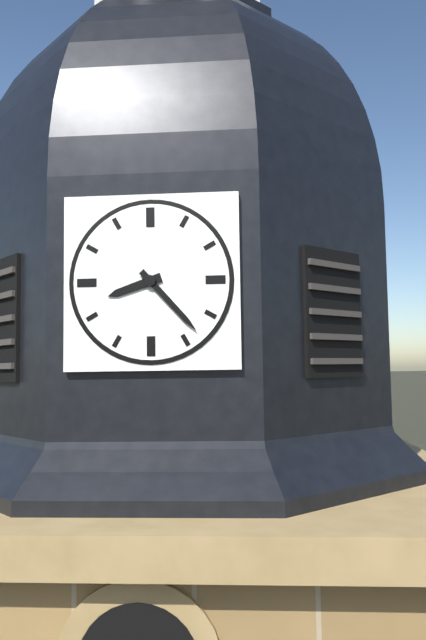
8:23
